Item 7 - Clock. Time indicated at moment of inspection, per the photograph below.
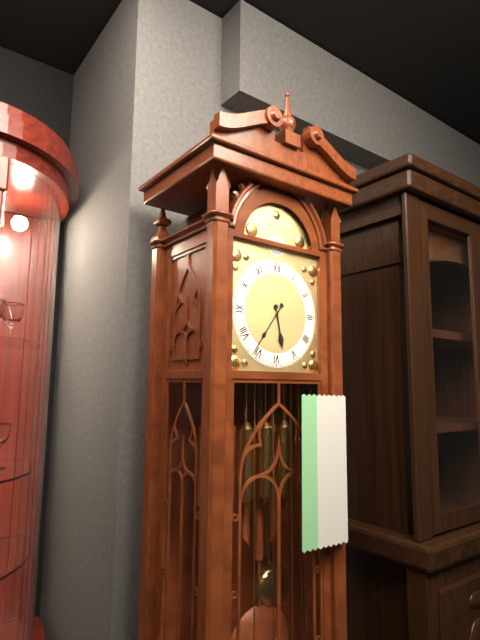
5:36
